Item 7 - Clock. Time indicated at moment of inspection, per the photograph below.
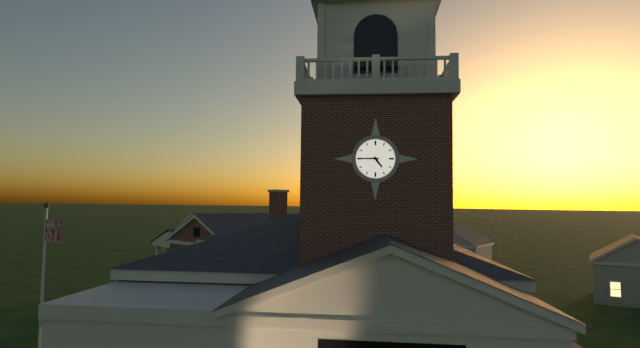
4:45
